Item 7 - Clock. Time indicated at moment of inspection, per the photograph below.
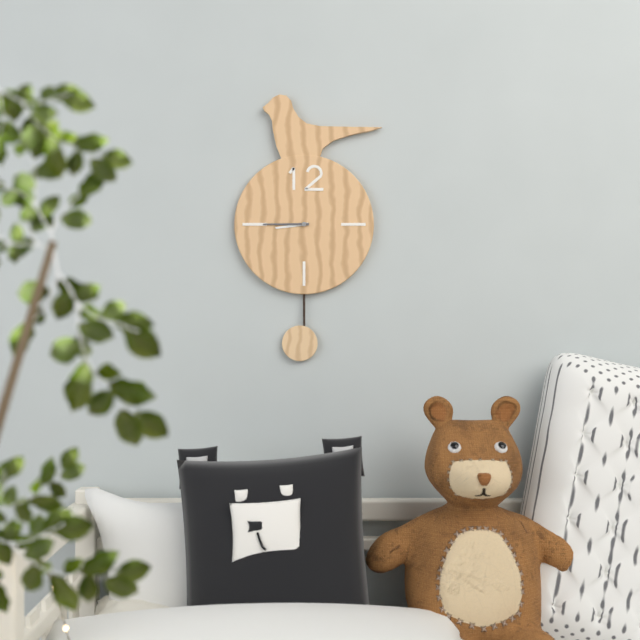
8:45
